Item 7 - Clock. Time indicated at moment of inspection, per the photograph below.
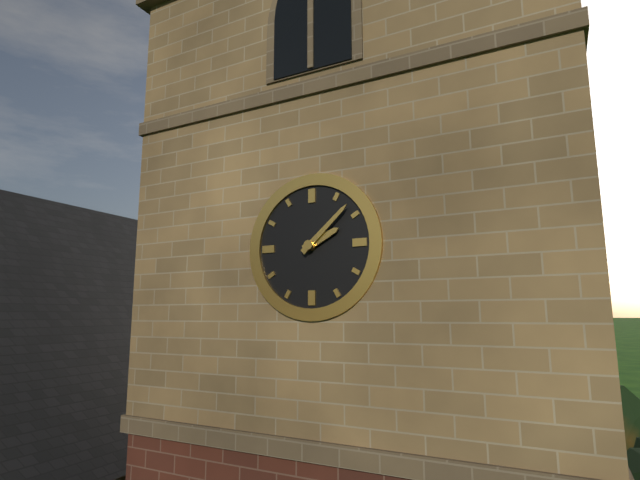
2:08
